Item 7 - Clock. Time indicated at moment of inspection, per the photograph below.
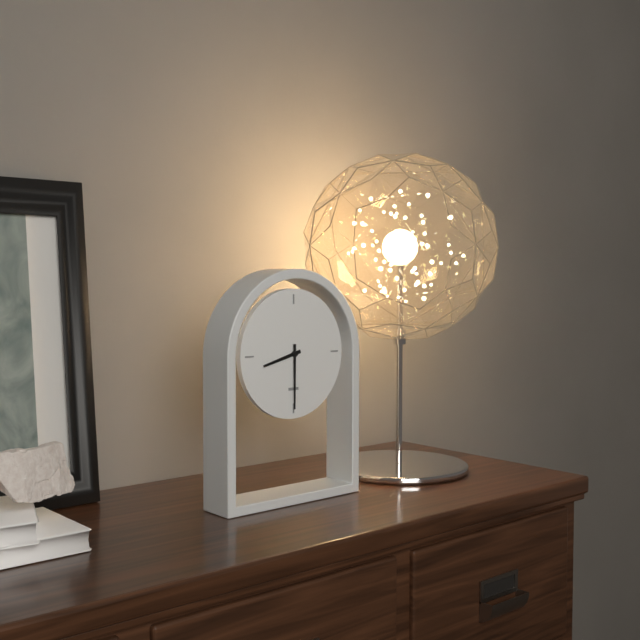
8:30
